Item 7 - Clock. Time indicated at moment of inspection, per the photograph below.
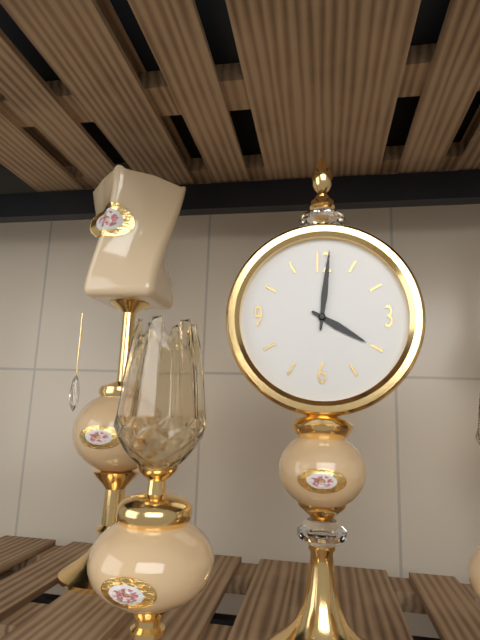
4:01
